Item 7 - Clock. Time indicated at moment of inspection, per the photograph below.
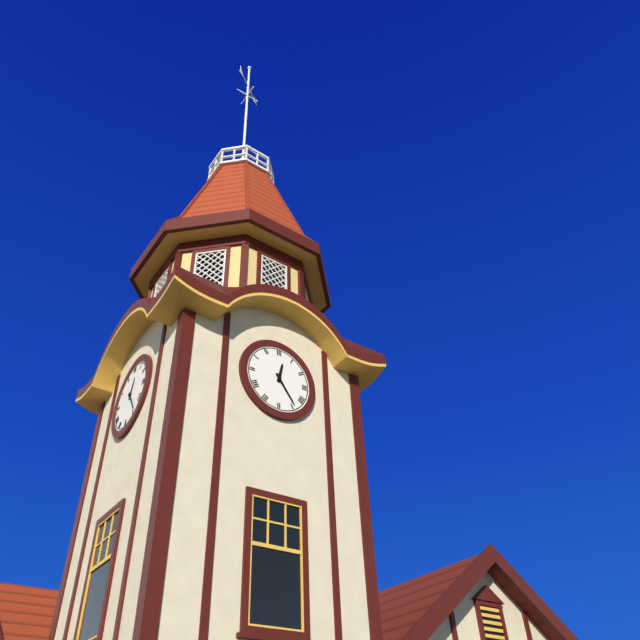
12:24
